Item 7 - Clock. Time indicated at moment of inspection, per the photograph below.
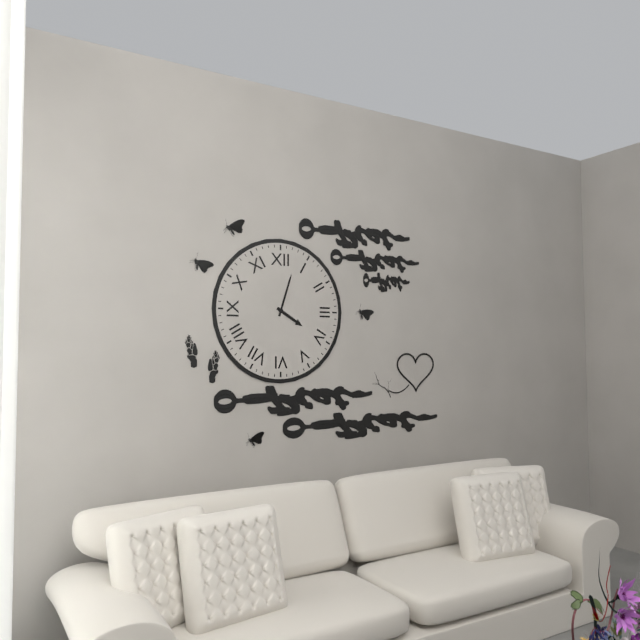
4:03
